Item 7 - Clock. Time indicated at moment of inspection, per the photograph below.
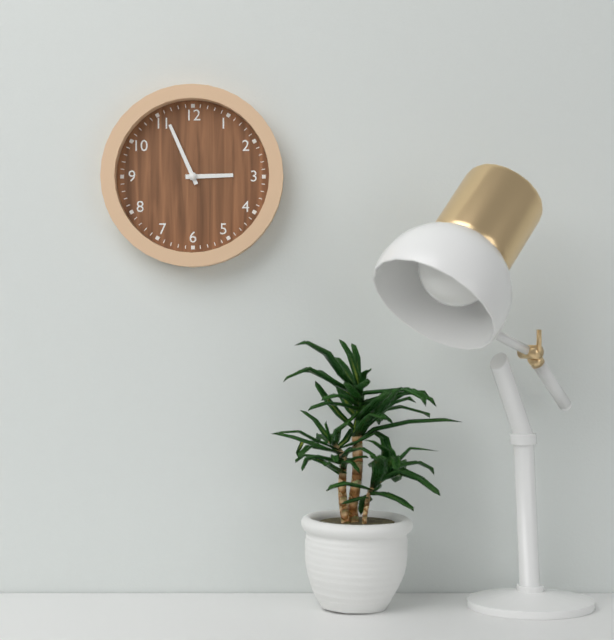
2:56
